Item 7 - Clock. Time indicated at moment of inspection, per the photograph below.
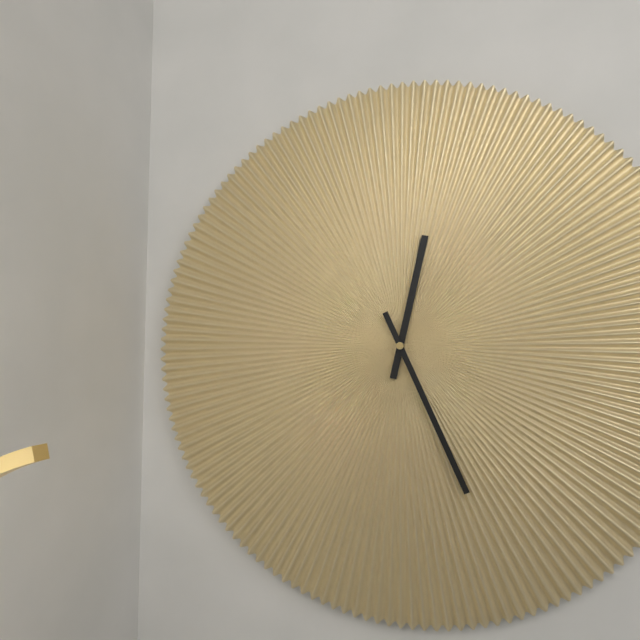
12:26
